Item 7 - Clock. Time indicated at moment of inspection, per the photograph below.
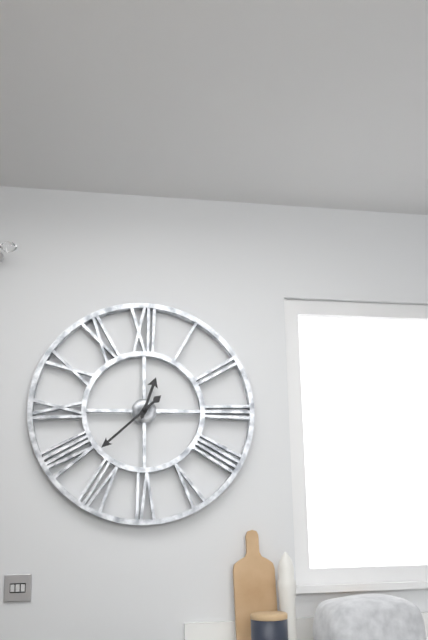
12:38
